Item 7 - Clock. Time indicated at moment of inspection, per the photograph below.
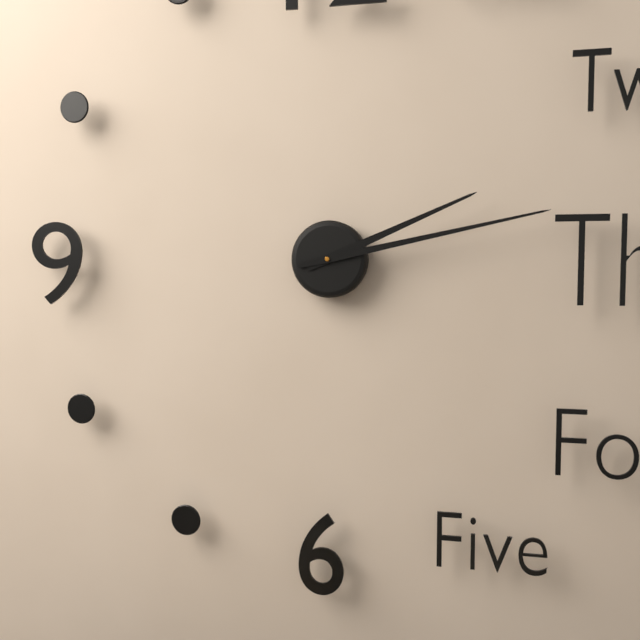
2:13
